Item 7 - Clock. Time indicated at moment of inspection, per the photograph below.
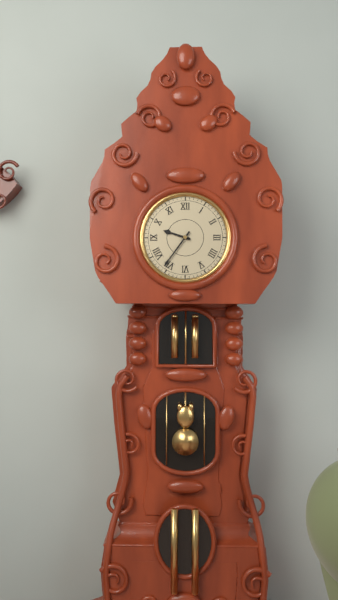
9:36
